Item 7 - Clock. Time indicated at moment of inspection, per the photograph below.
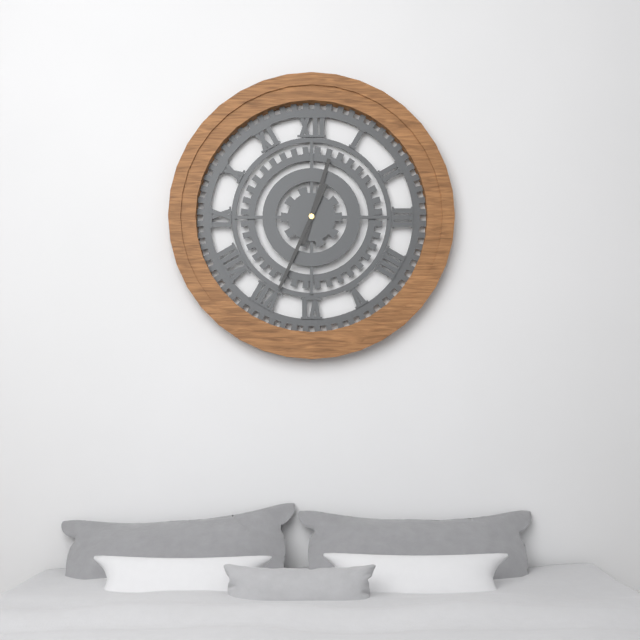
12:34
